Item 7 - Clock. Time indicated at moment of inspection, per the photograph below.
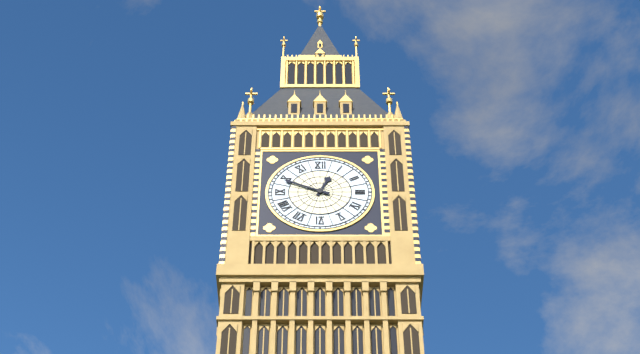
12:49
